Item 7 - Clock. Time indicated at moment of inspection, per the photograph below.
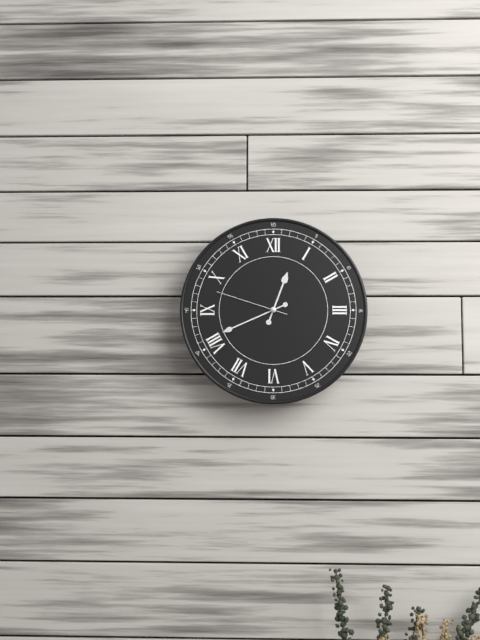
12:41:48
